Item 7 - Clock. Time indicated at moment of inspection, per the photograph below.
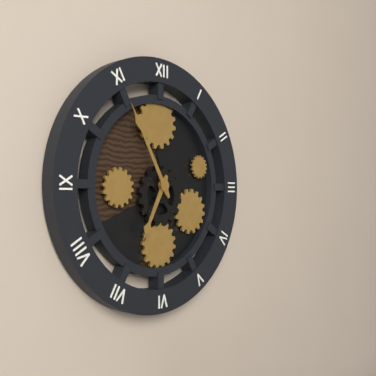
6:55
